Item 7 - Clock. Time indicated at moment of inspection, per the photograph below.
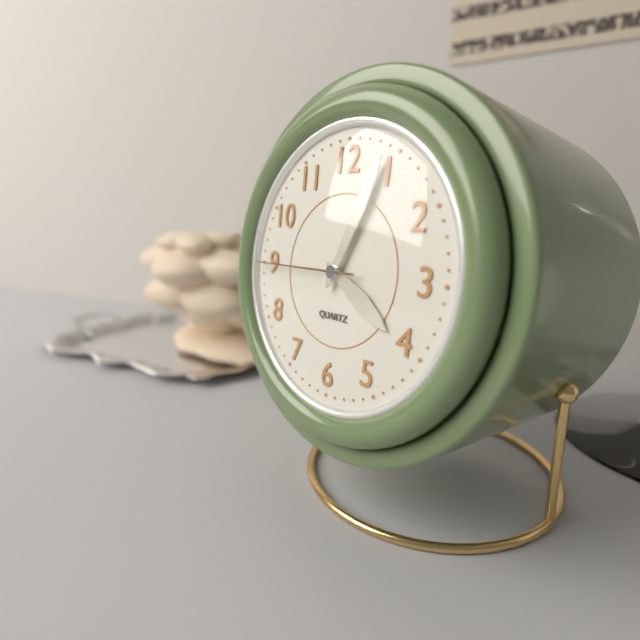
4:04:45
